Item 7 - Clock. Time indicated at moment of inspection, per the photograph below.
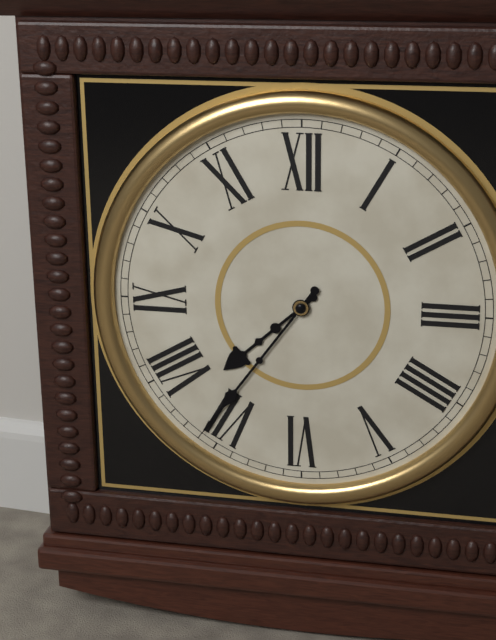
7:36
